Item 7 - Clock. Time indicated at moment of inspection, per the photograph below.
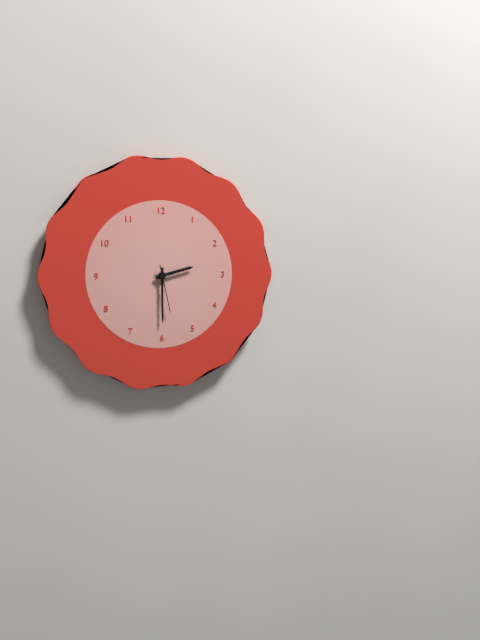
2:30
